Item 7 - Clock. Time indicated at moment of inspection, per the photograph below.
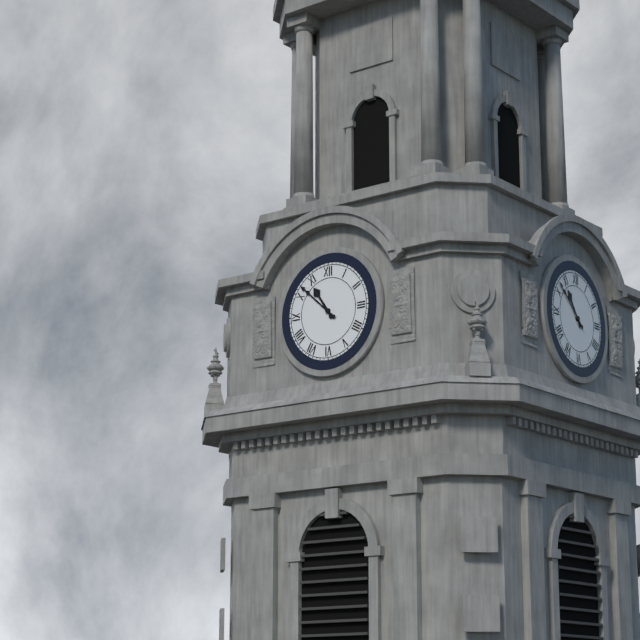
10:52
